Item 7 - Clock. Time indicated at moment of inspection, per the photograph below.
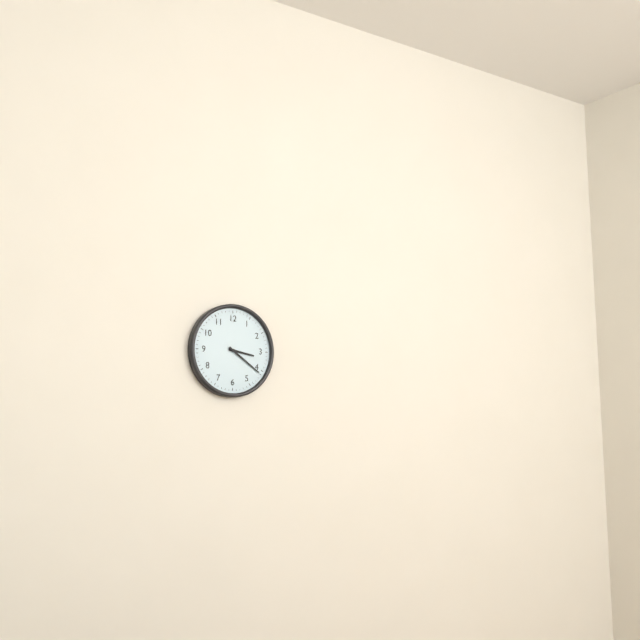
3:21
